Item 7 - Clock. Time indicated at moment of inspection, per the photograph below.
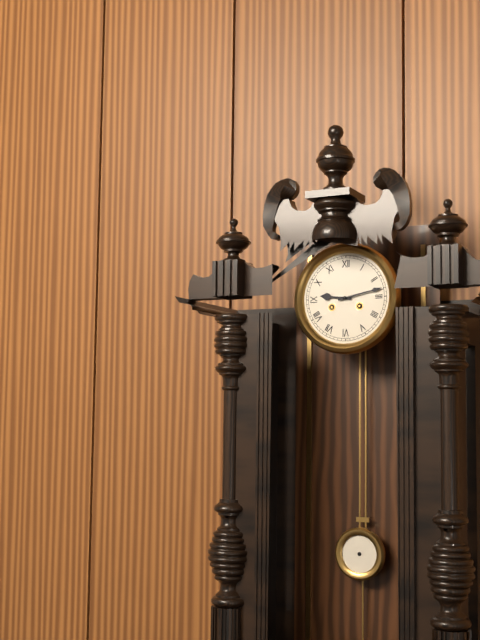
9:13
